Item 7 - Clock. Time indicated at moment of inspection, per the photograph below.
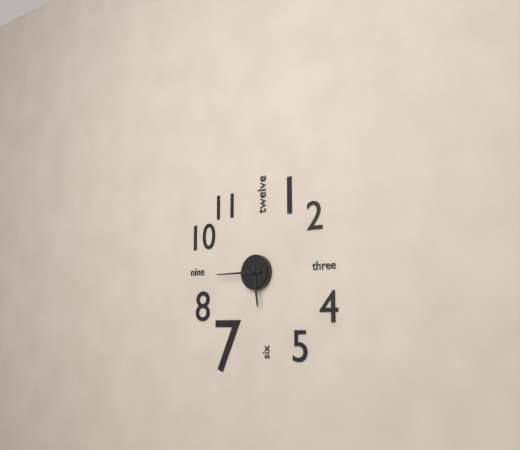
5:45
